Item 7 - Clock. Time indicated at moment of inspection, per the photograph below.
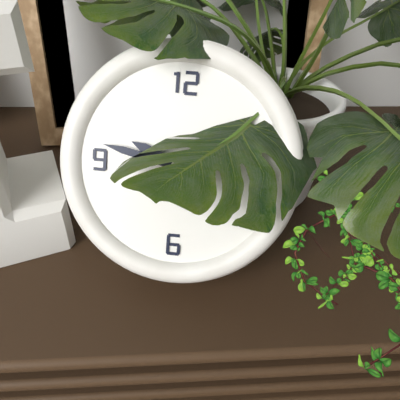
9:47
